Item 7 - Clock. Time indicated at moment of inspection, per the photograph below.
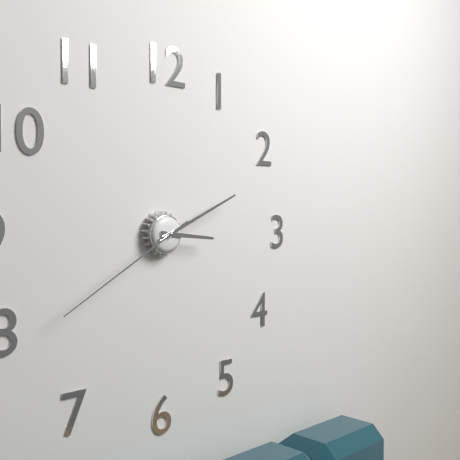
3:11:40
